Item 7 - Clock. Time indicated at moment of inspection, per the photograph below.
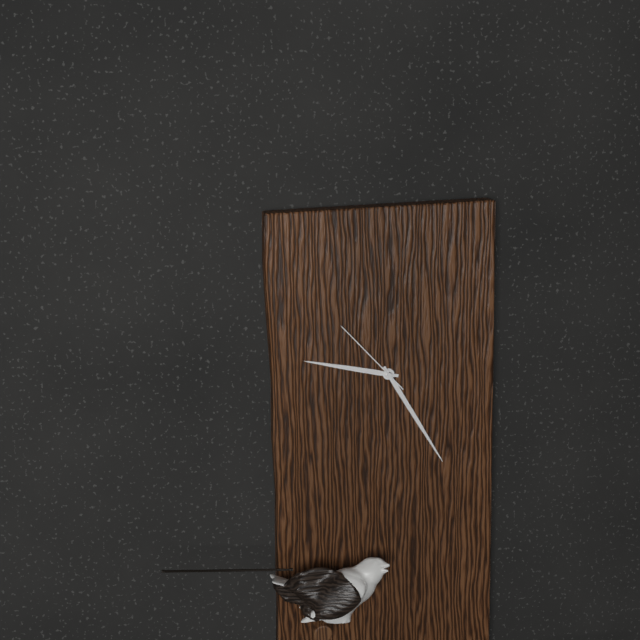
9:25:53
